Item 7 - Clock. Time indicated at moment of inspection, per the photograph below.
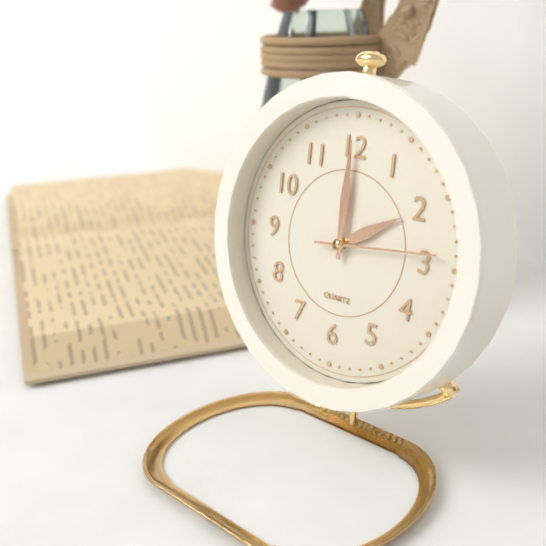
2:00:14
